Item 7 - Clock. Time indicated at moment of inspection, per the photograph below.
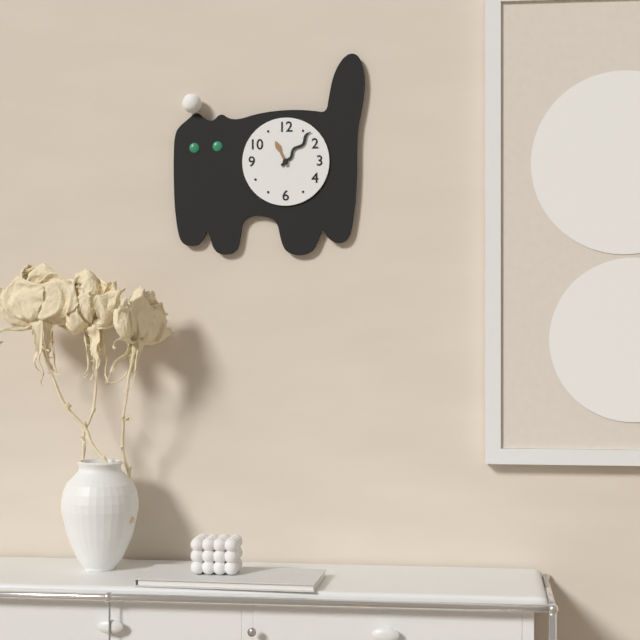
11:07
